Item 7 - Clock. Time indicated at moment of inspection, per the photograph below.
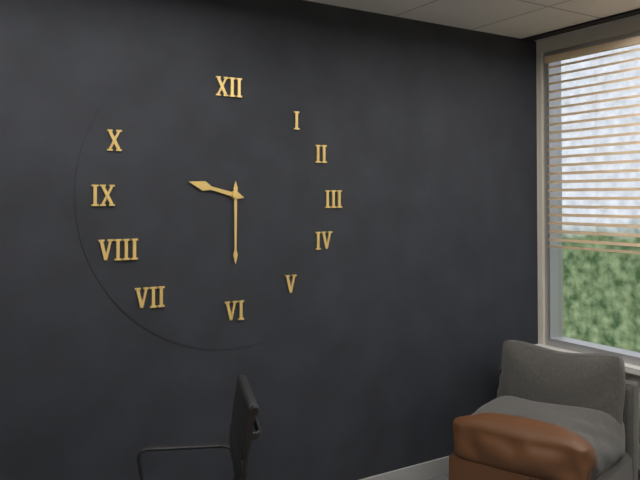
9:30
